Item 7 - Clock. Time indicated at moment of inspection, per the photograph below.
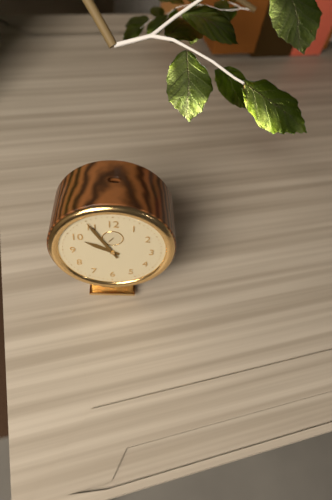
9:55
